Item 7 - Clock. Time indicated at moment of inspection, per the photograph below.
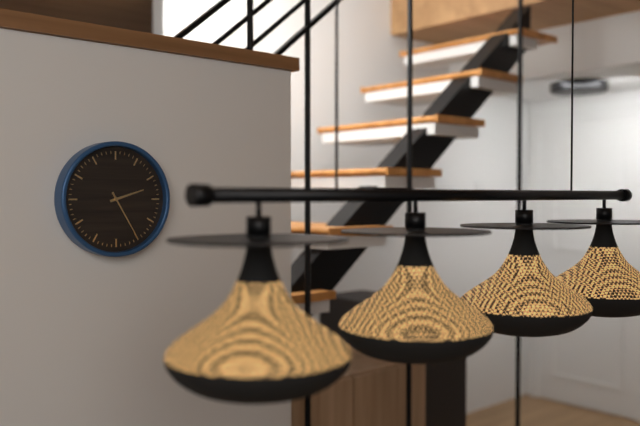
2:25
